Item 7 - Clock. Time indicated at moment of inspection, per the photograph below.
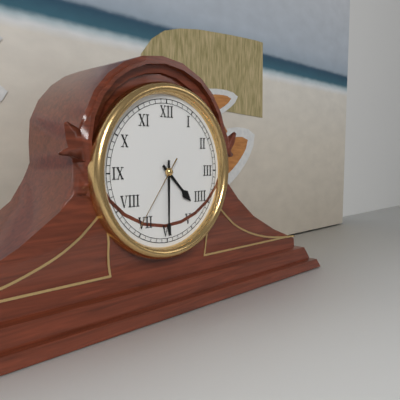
4:30:36
